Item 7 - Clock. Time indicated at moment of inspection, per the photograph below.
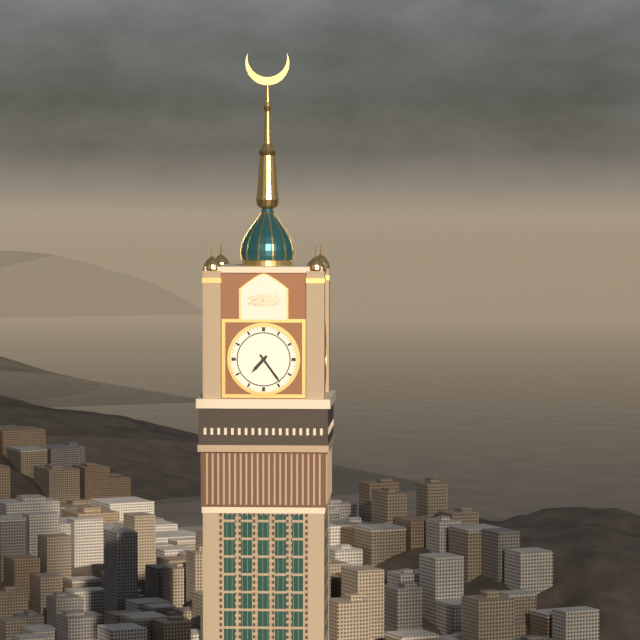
7:24
